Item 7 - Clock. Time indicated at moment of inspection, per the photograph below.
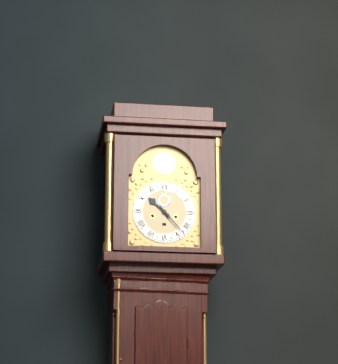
10:23
